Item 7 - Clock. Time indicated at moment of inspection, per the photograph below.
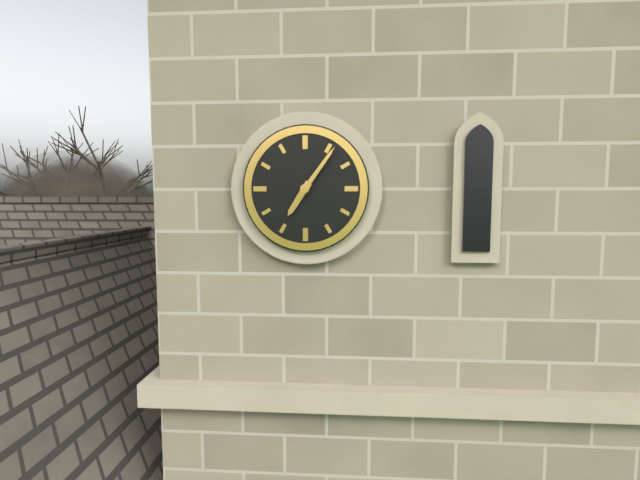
7:06
